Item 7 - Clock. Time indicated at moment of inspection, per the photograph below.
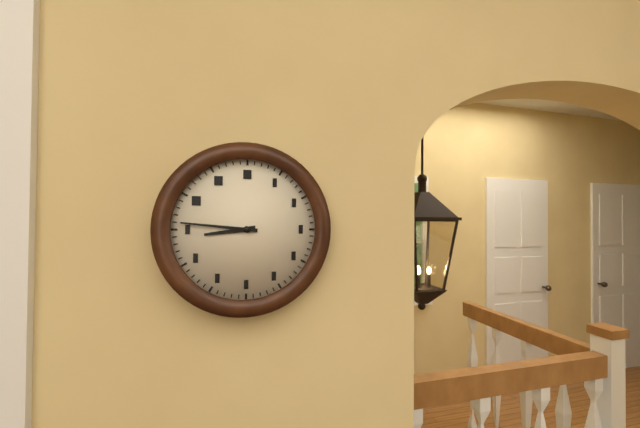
8:46
